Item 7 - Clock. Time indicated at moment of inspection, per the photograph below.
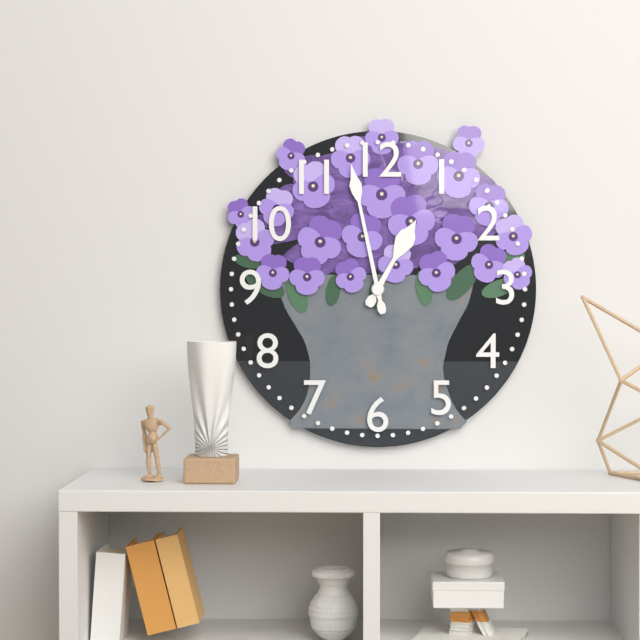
12:58
